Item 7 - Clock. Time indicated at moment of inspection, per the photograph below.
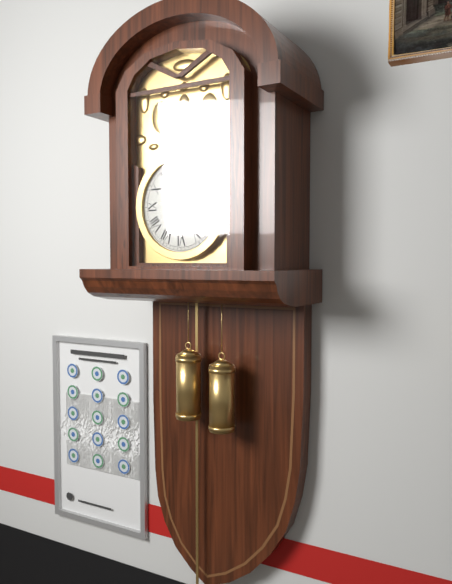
9:15
